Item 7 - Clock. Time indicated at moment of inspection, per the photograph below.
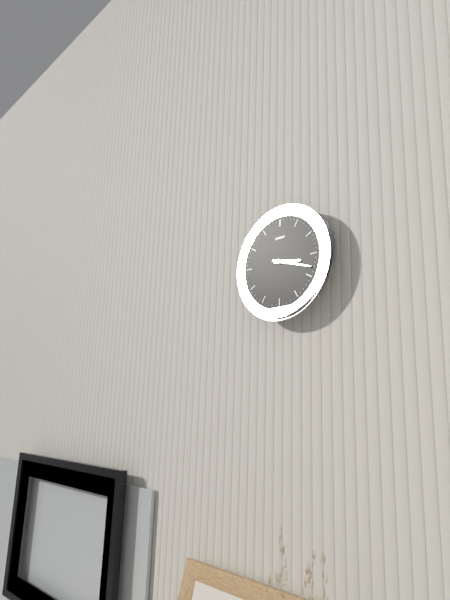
3:18
